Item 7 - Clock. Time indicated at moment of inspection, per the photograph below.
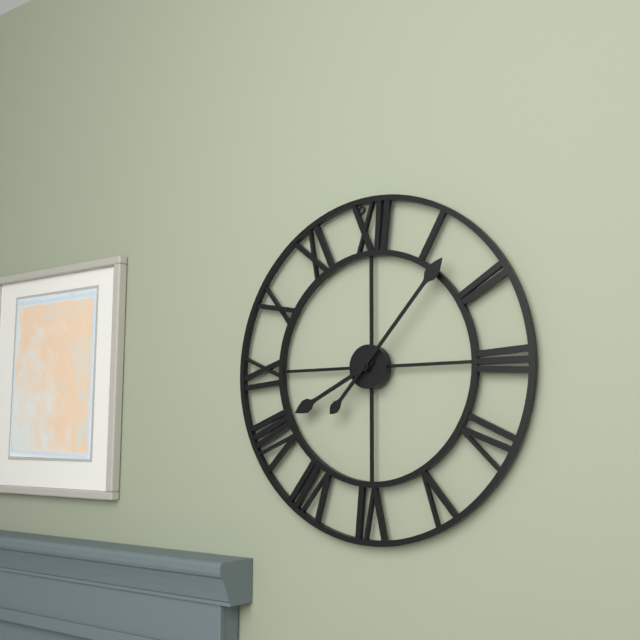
8:07
